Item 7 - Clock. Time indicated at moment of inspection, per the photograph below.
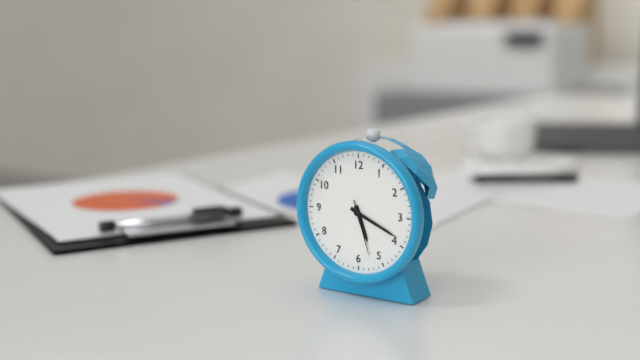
5:19:27
